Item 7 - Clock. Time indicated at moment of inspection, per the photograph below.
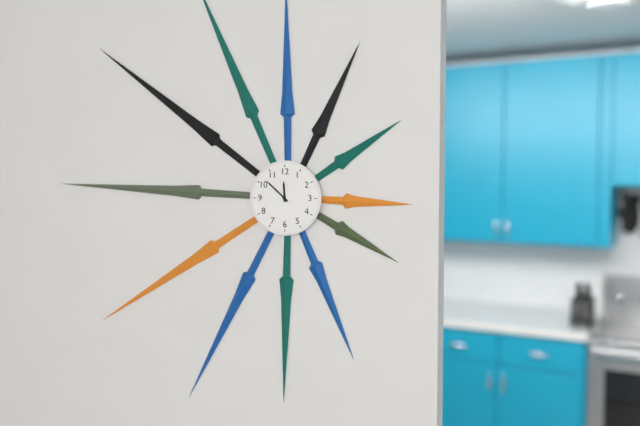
11:52
